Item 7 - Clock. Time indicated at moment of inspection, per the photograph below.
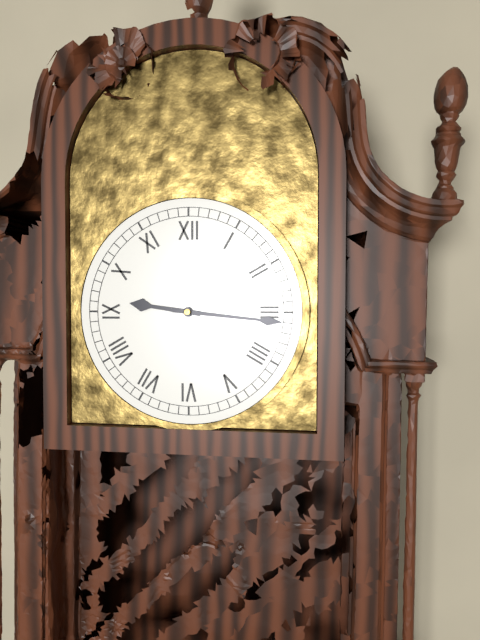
9:16
